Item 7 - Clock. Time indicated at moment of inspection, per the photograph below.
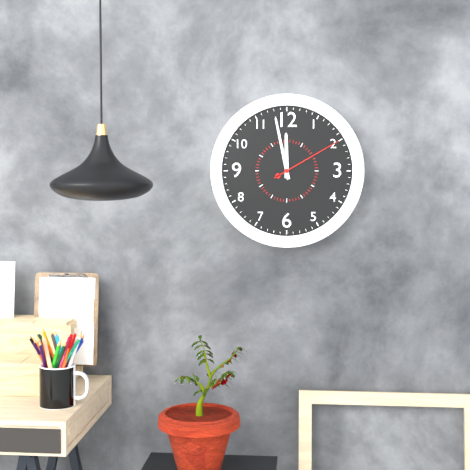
11:58:10
